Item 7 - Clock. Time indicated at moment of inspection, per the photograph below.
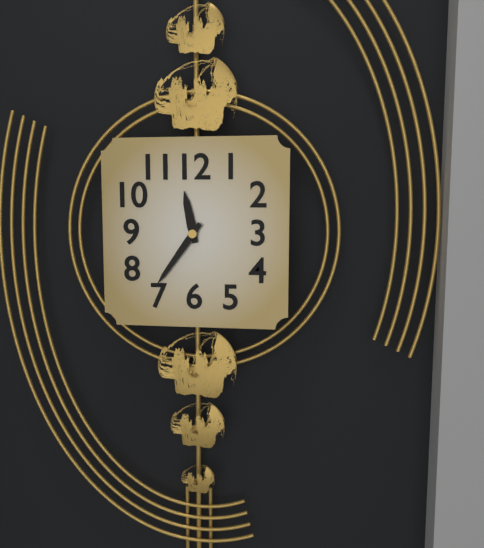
11:36
